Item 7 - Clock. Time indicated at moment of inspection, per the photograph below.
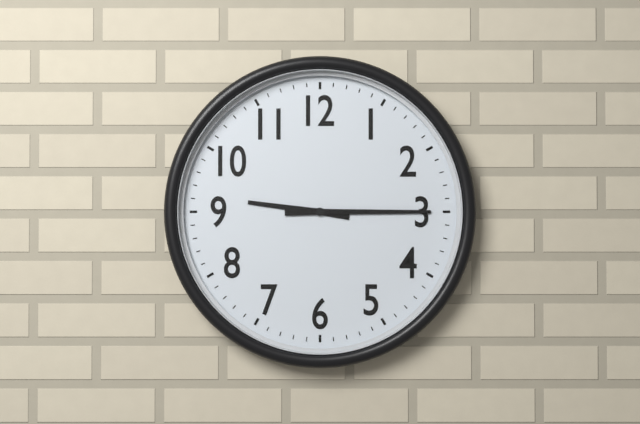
9:15
